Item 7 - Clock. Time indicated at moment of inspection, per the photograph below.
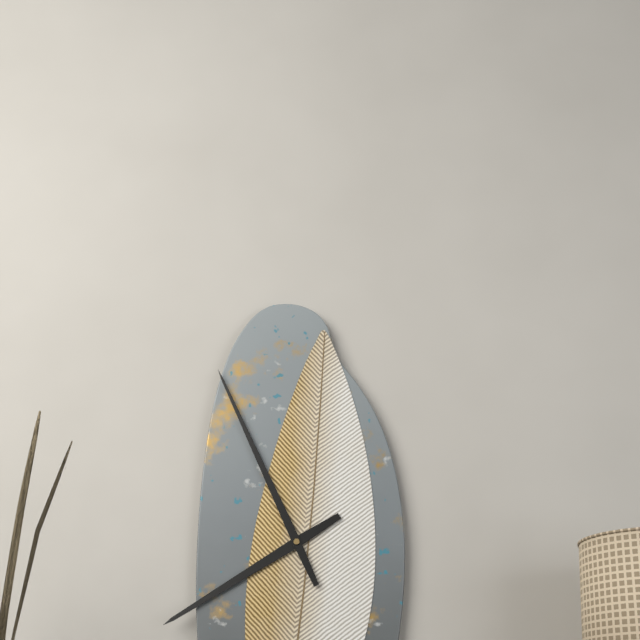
7:56
